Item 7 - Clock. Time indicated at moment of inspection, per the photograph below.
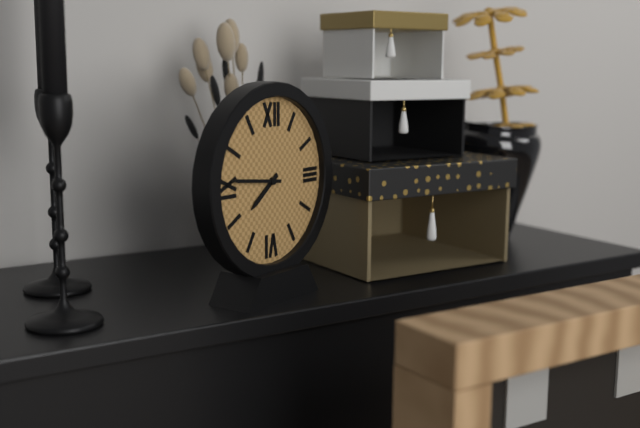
7:46
